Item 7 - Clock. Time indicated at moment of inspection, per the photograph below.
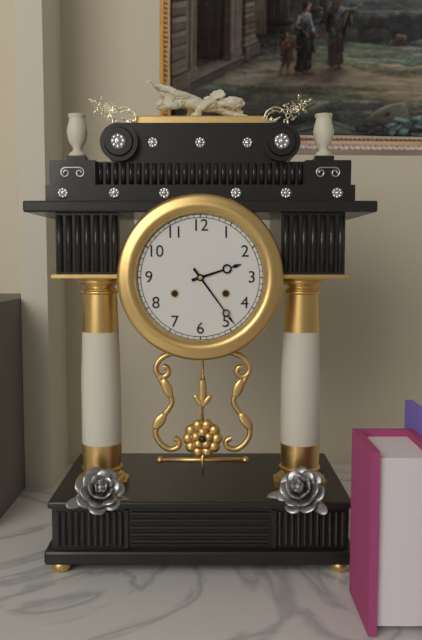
2:24
